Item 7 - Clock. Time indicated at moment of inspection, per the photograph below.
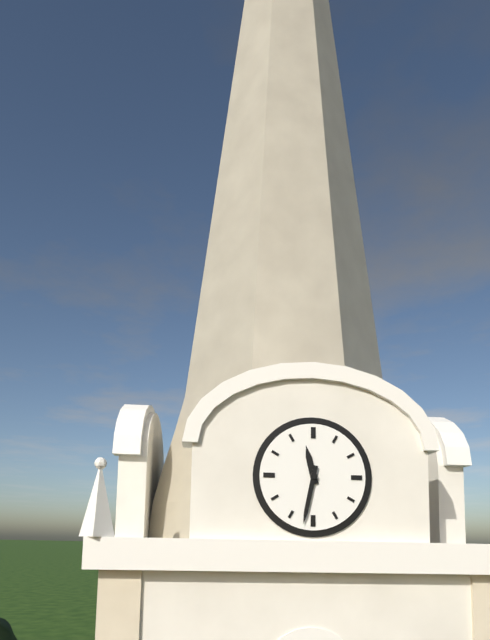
11:32
